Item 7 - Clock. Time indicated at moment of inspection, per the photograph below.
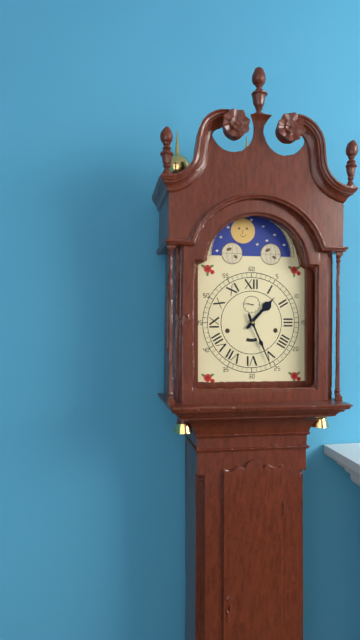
1:26
